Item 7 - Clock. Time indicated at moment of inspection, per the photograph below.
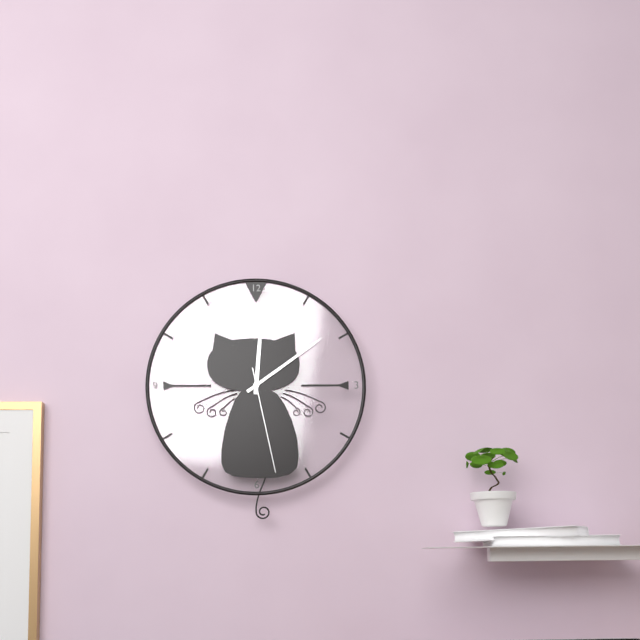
12:09:28
